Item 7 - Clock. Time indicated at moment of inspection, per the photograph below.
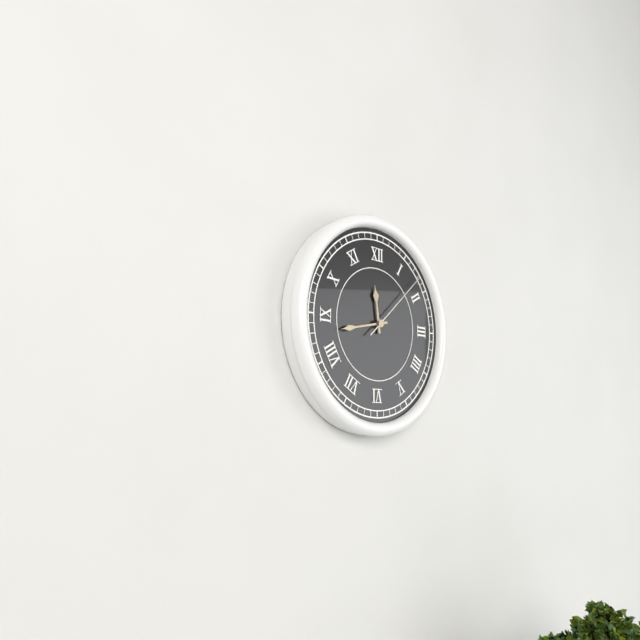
11:43:08
